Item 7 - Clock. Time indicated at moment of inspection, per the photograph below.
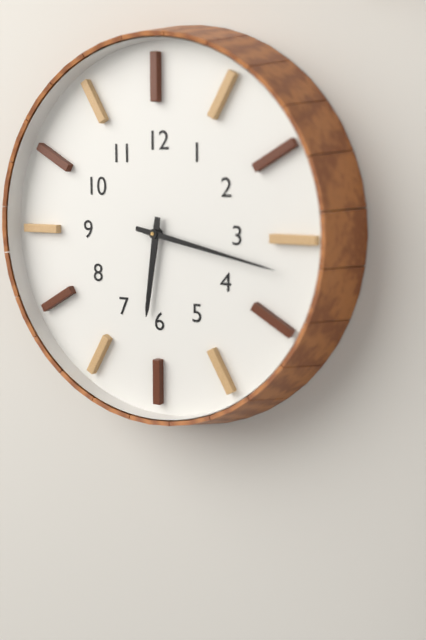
6:17
